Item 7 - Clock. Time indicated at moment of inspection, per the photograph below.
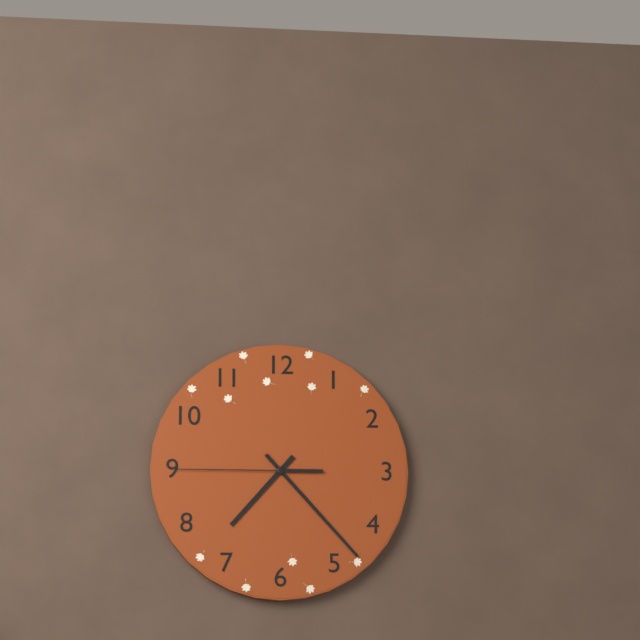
7:23:45
